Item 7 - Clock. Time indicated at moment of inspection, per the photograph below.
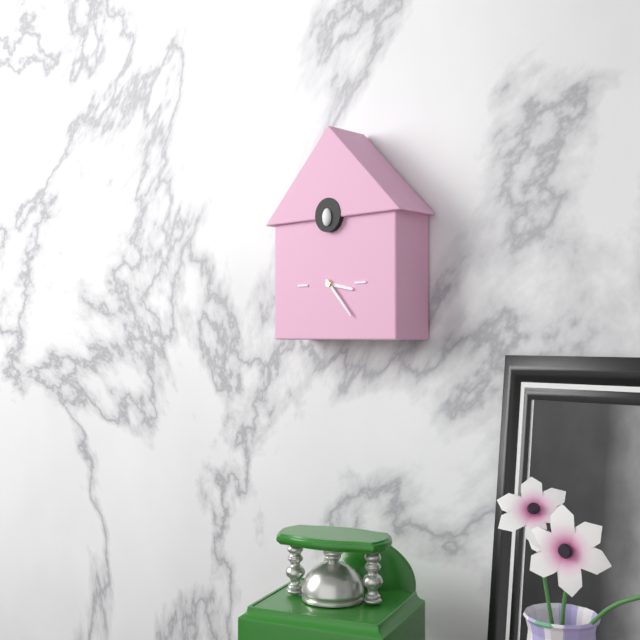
3:23
